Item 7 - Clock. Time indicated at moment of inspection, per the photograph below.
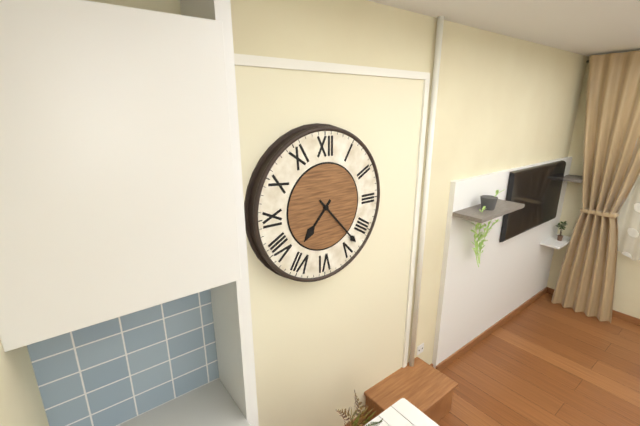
7:23
